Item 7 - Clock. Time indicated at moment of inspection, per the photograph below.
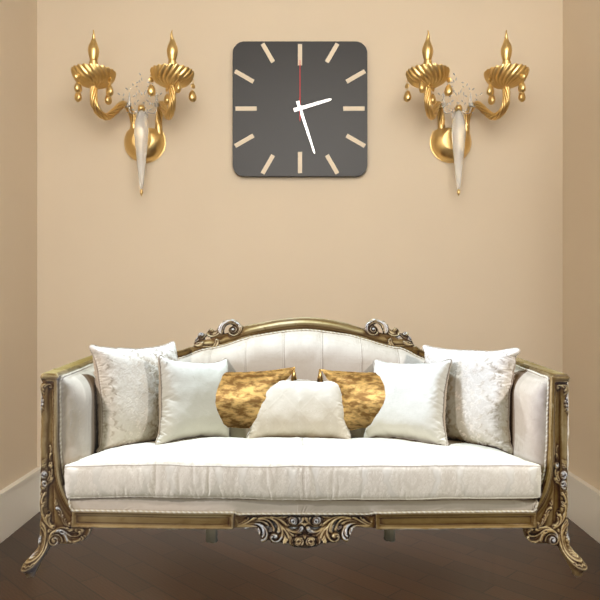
2:27:00
